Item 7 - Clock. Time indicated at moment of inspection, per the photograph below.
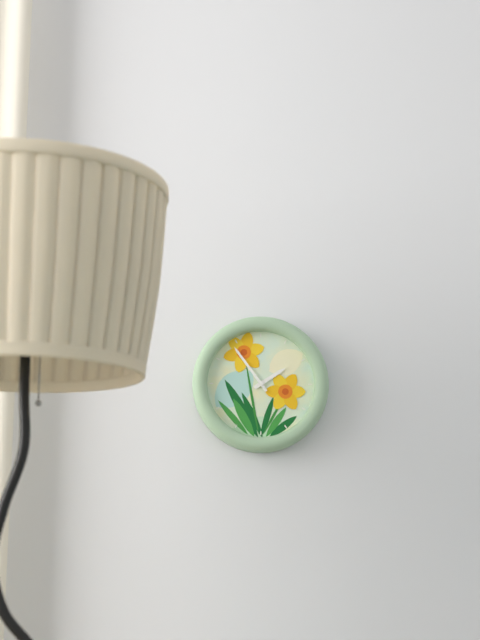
1:54
